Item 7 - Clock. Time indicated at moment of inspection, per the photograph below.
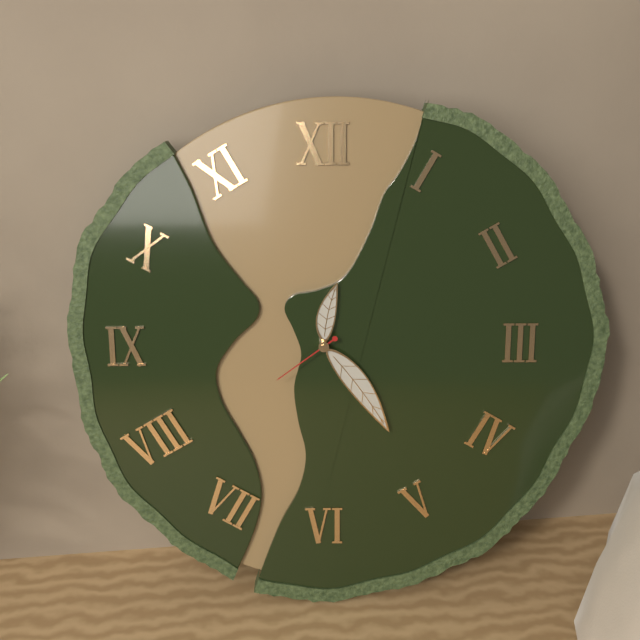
12:24:39
